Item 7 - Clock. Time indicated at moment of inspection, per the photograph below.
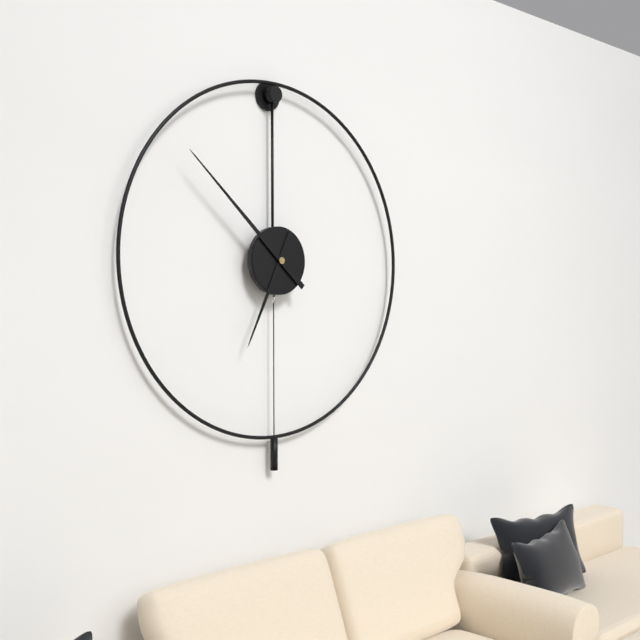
6:52
